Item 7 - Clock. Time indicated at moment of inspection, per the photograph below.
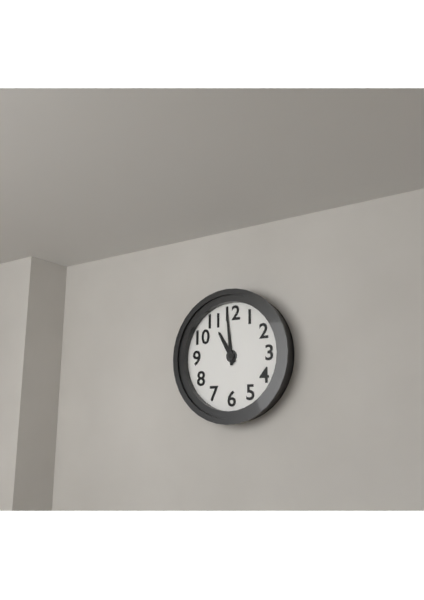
10:59
